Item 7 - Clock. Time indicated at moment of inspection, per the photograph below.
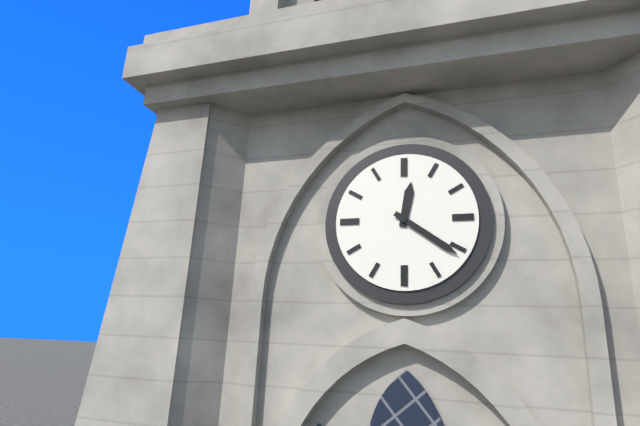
12:21
